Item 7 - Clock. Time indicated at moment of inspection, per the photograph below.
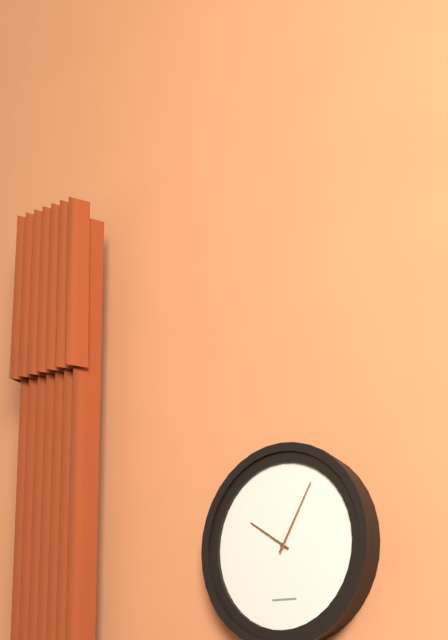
10:05
